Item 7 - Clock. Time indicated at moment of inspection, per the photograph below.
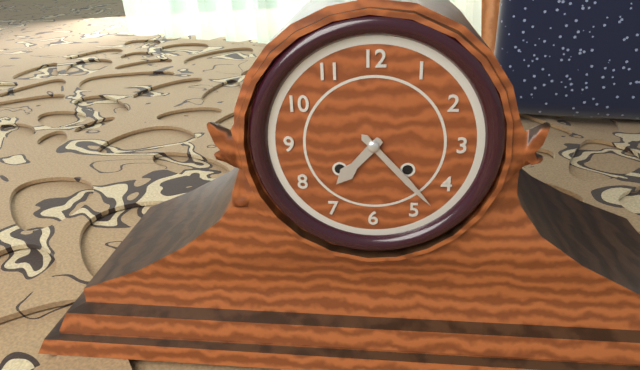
7:23
